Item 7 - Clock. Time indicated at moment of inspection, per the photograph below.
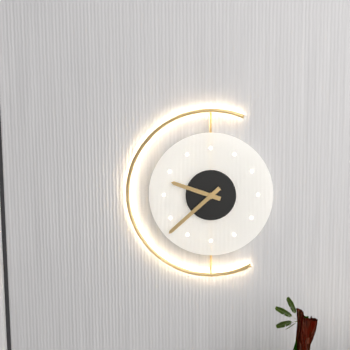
9:38
